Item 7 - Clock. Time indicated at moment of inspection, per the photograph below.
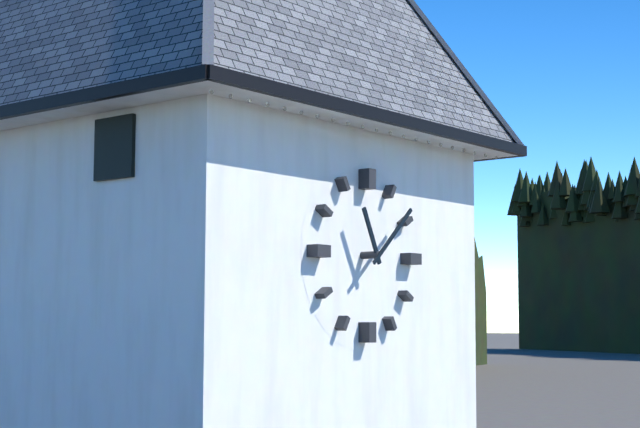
11:08
